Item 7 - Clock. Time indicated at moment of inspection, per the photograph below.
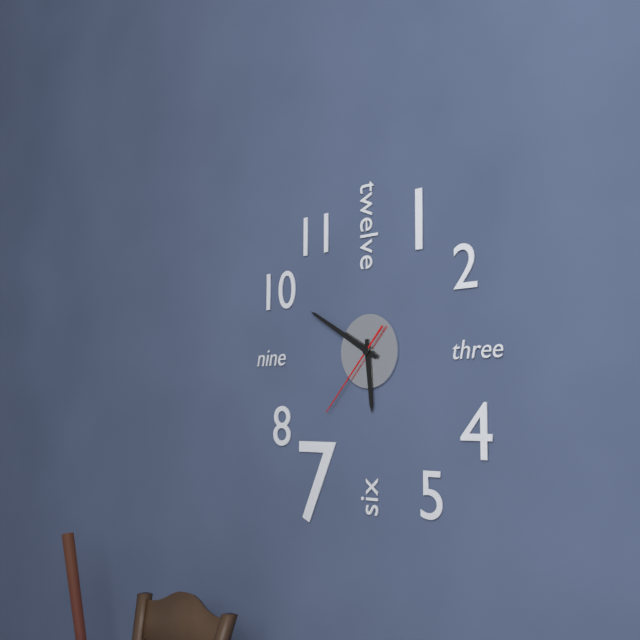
5:50:37
